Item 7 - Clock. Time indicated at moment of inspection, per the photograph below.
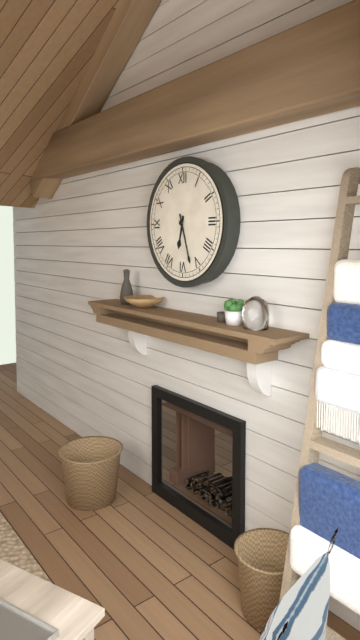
6:27
